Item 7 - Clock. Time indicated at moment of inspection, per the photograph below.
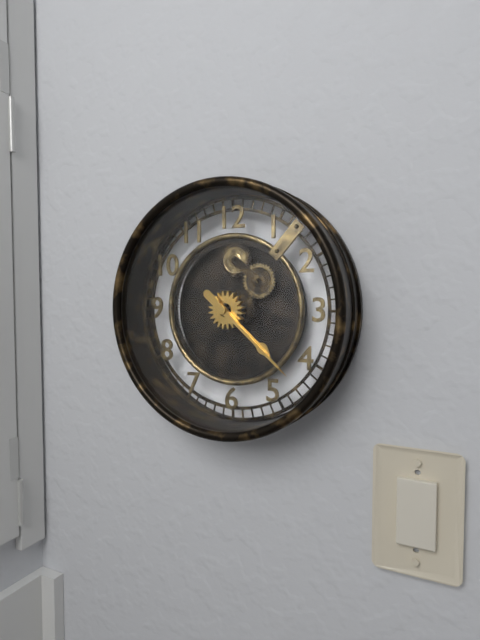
4:22
